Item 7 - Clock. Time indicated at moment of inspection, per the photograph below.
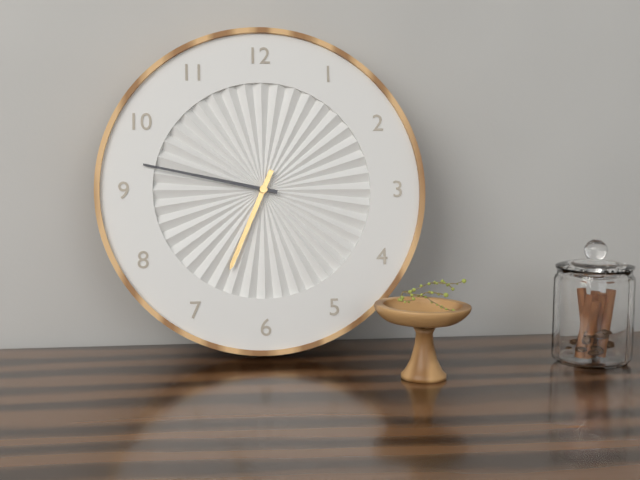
6:47
